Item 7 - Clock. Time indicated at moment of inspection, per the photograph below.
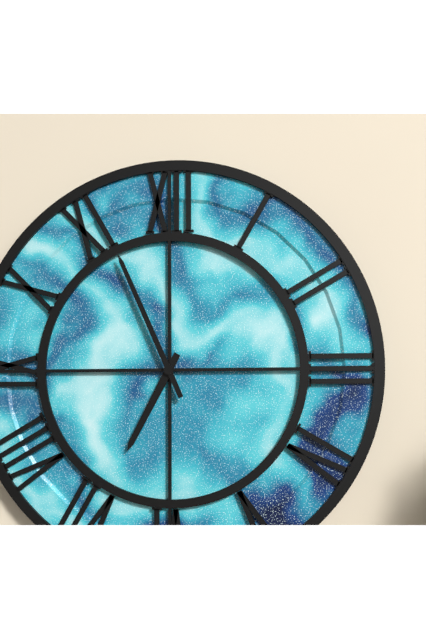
6:56
